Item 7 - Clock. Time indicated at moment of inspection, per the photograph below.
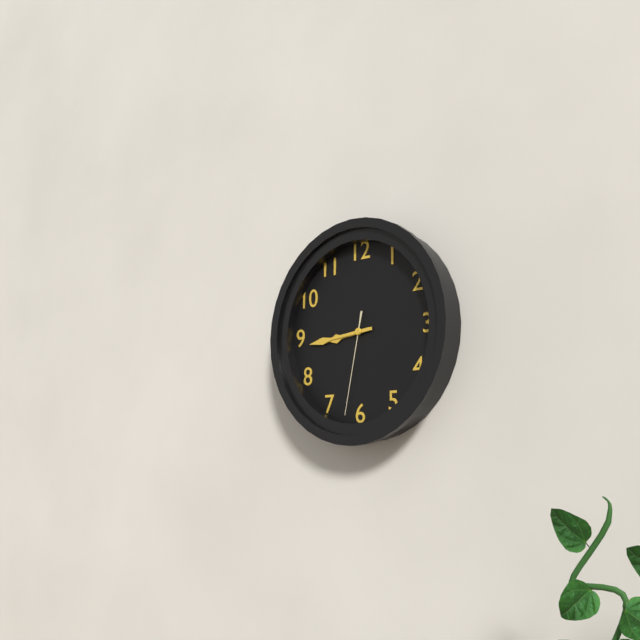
8:44:32
